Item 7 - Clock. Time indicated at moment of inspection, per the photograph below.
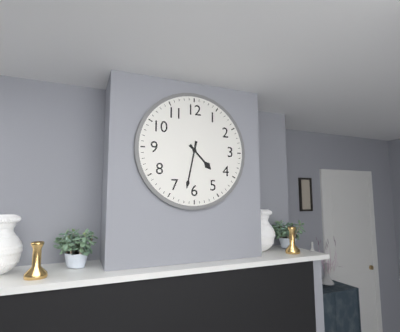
4:32
